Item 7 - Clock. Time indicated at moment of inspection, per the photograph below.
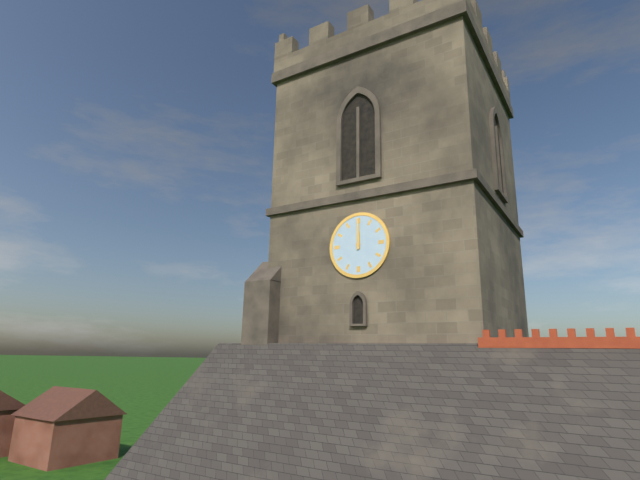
12:00
